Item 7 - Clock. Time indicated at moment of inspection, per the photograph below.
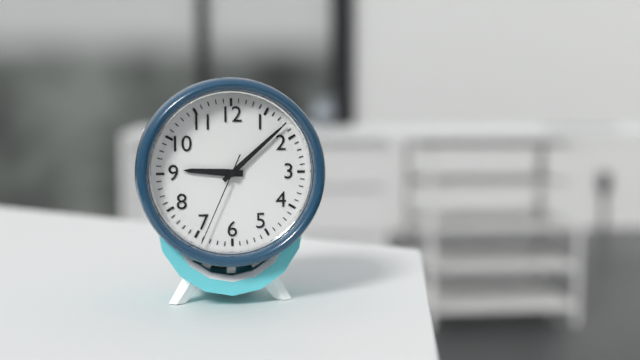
9:08:34
